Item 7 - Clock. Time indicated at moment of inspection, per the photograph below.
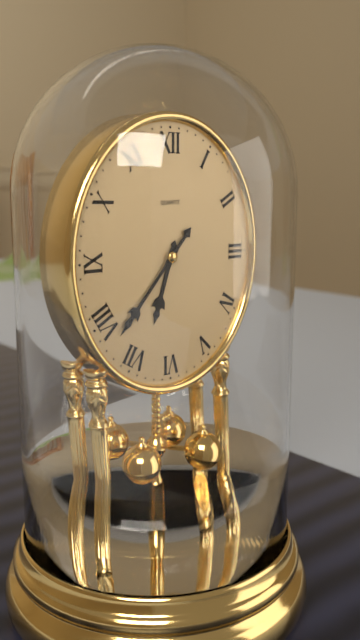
6:37
